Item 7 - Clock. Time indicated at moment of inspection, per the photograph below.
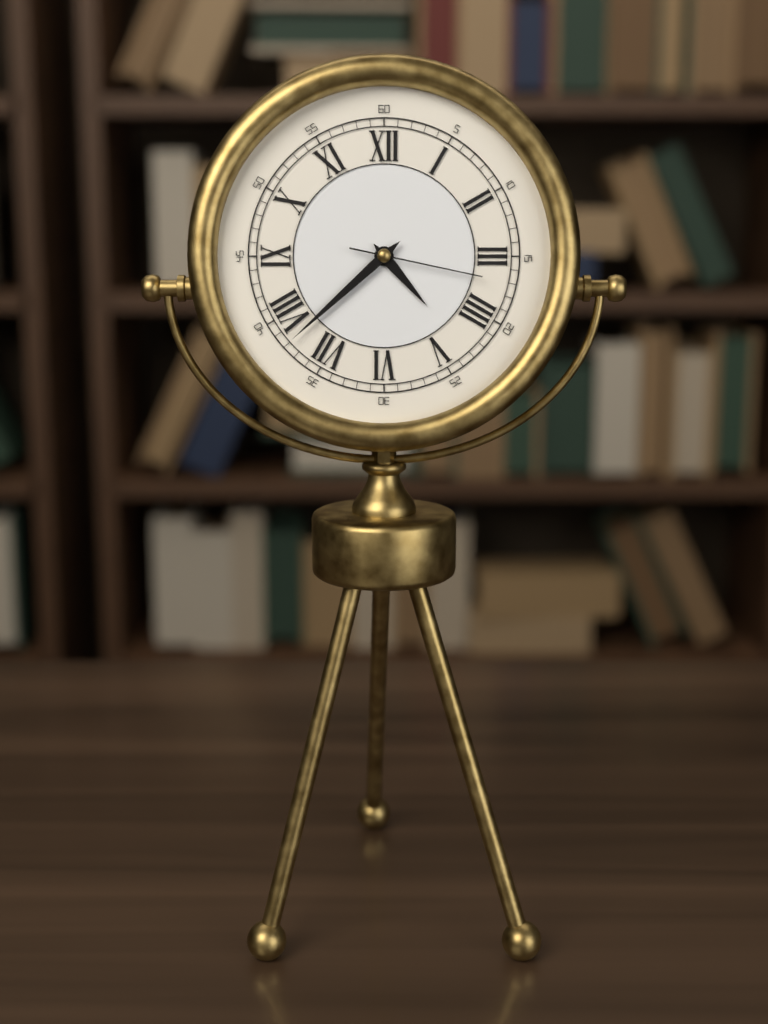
4:38:17
